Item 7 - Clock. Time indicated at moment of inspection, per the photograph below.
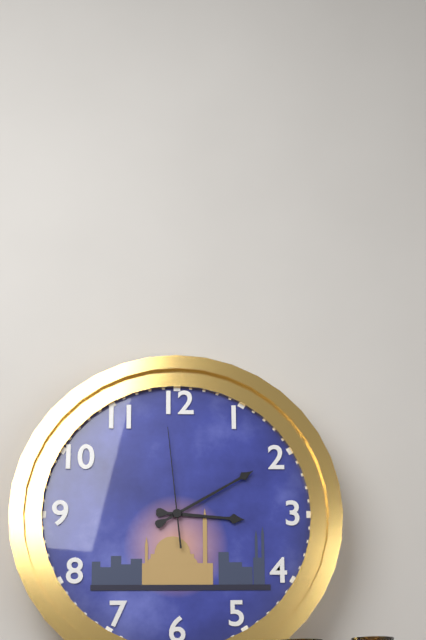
3:10:59
